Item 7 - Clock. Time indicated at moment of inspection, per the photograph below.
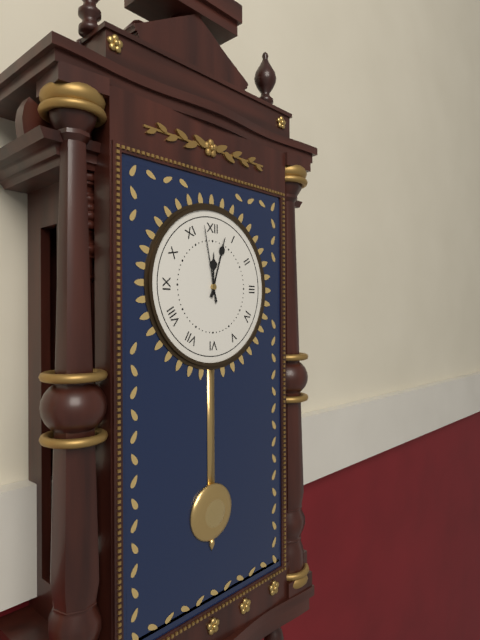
12:03:58
